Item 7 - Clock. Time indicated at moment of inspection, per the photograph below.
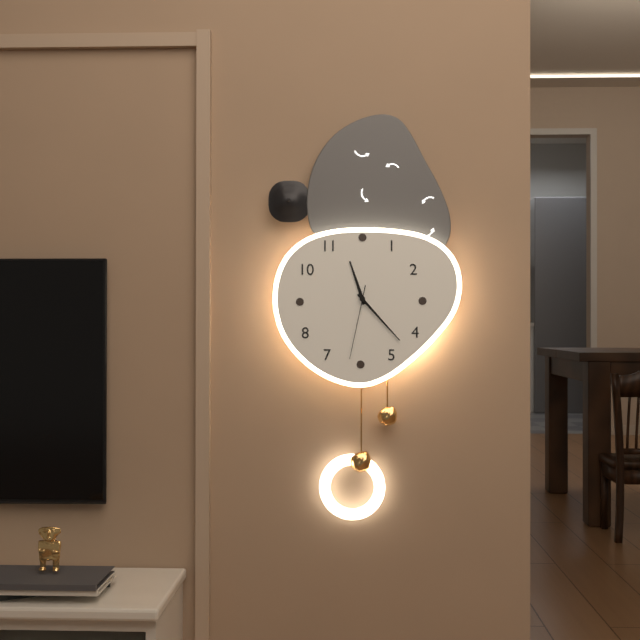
11:23:32
